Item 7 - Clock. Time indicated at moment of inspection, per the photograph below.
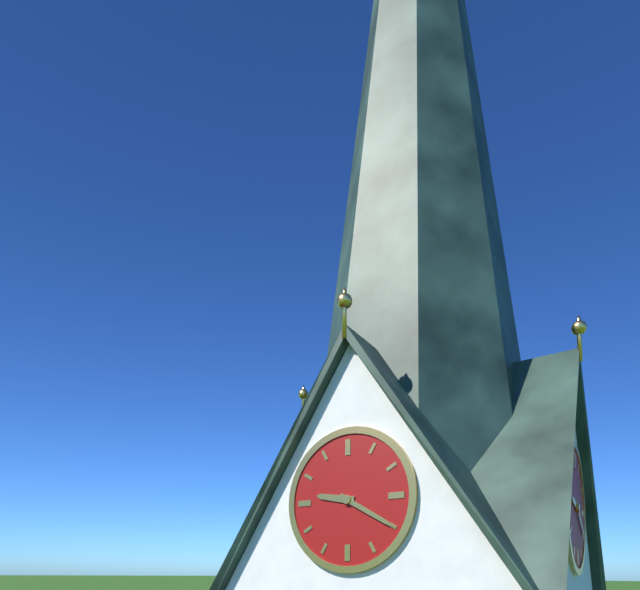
9:20
